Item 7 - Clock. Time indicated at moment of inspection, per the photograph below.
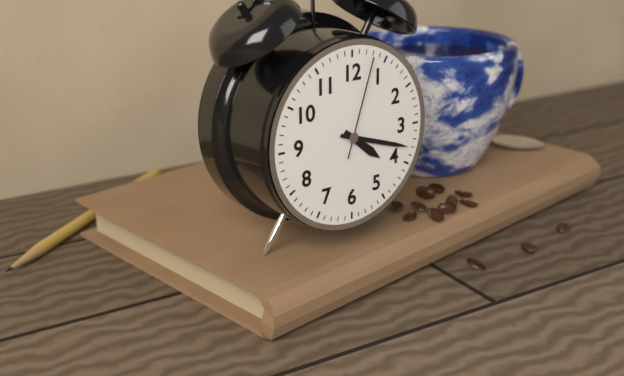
4:18:03
